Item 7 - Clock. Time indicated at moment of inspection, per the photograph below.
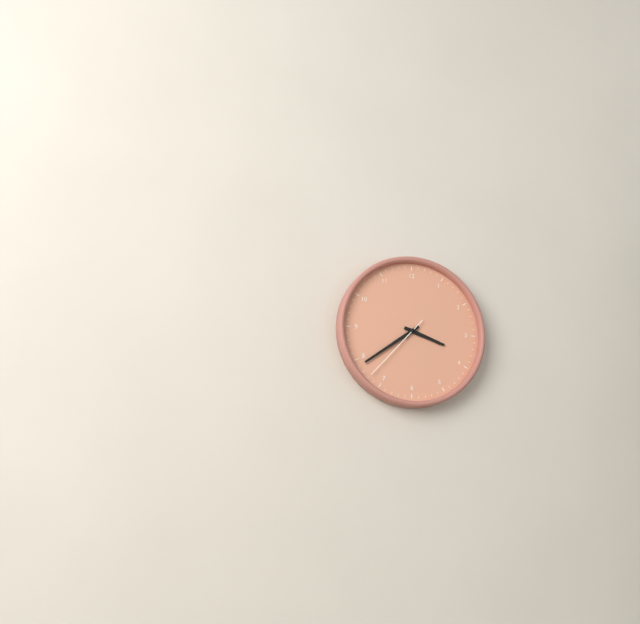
3:39:37
